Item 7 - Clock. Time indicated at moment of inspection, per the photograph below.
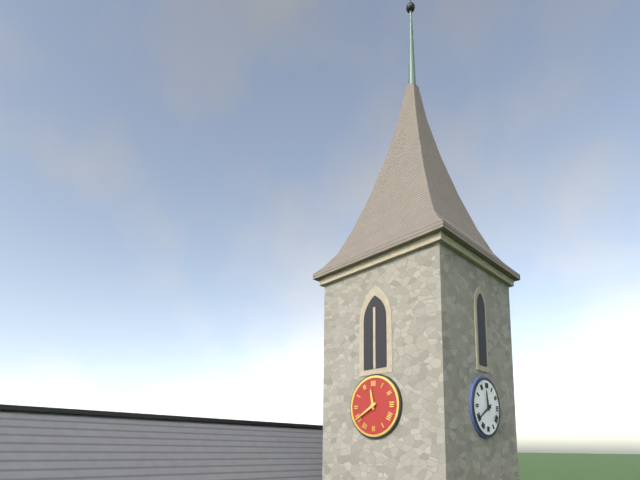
11:40
